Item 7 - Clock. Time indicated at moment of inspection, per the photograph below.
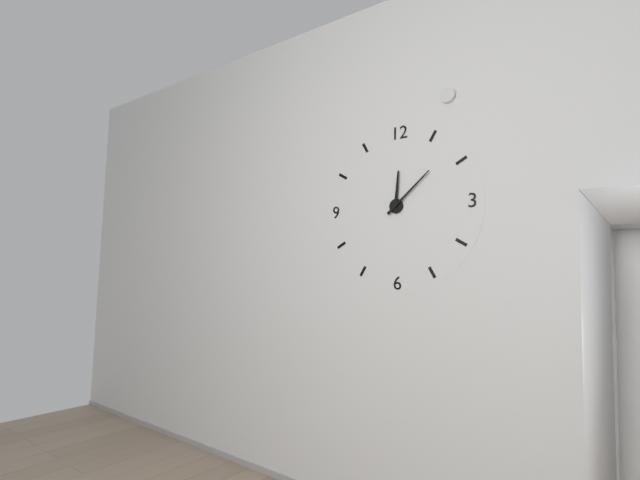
12:08
